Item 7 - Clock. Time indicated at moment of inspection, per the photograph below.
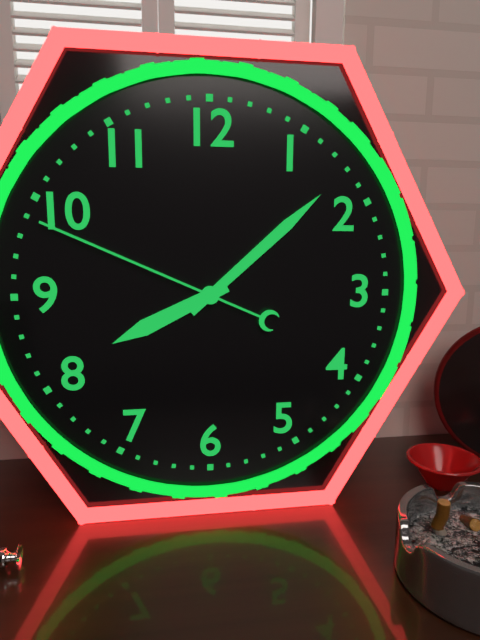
8:08:49
